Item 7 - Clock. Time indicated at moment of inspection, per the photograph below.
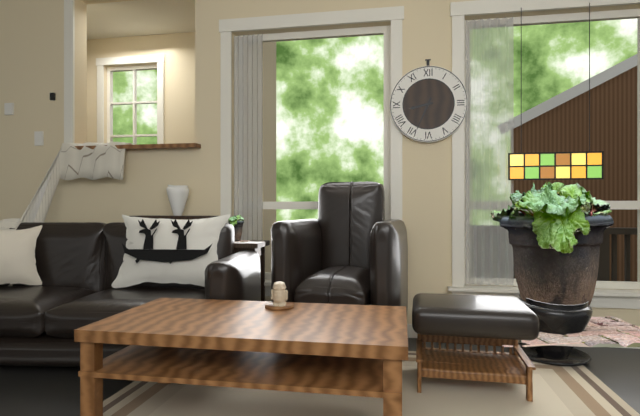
8:34
